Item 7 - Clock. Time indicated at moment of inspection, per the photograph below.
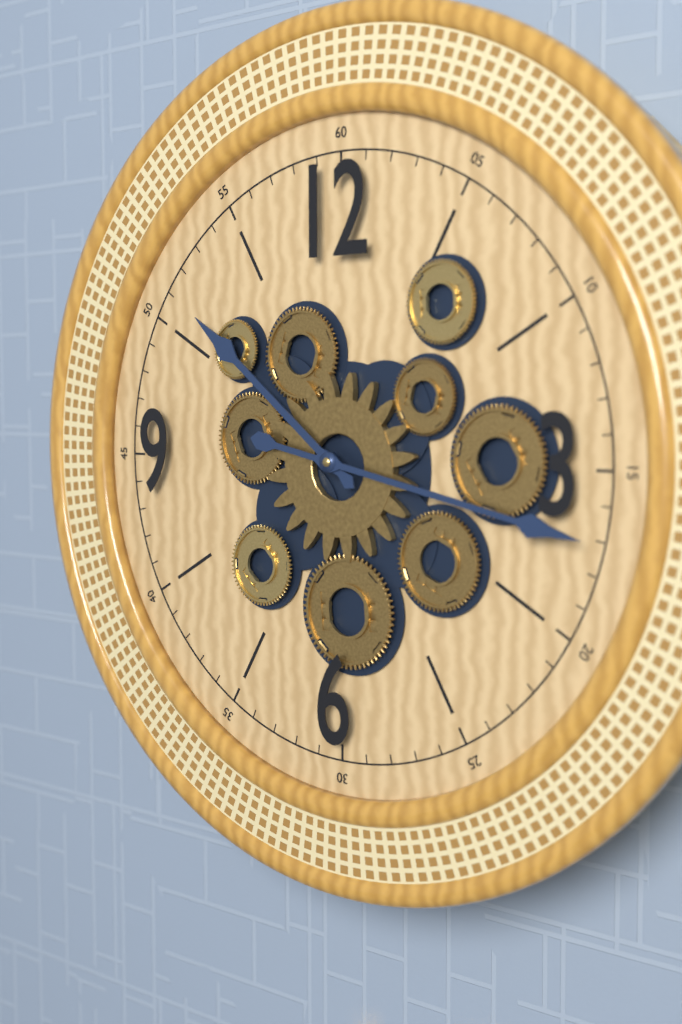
10:17
